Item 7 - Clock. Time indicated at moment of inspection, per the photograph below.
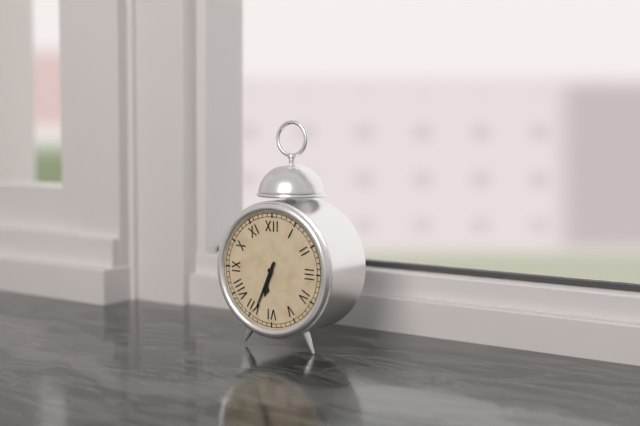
6:34
